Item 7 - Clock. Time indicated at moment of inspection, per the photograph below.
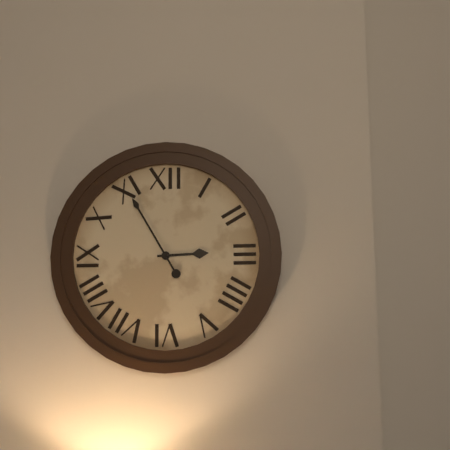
2:55
